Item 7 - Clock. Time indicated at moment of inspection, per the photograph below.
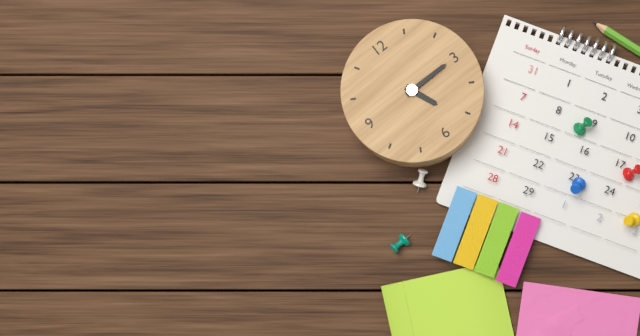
5:15
